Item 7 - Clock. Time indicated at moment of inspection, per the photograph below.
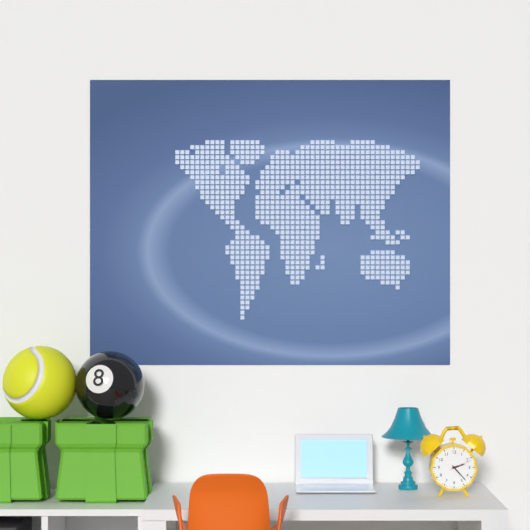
2:23
